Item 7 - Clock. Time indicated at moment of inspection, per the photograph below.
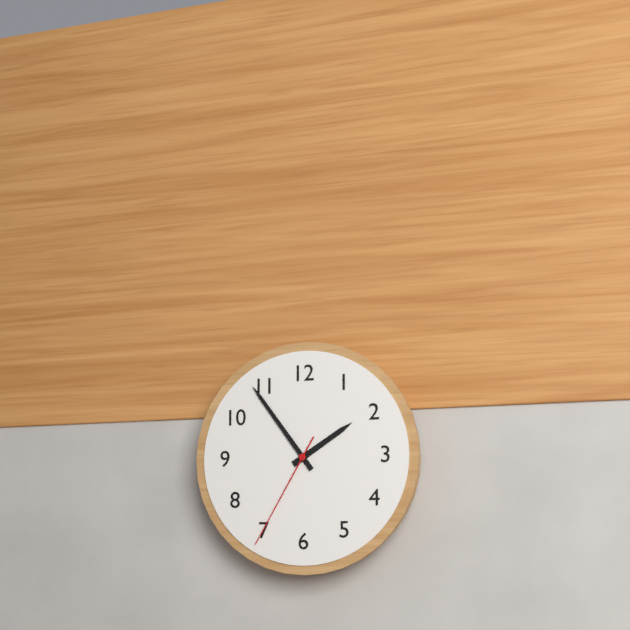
1:54:35
